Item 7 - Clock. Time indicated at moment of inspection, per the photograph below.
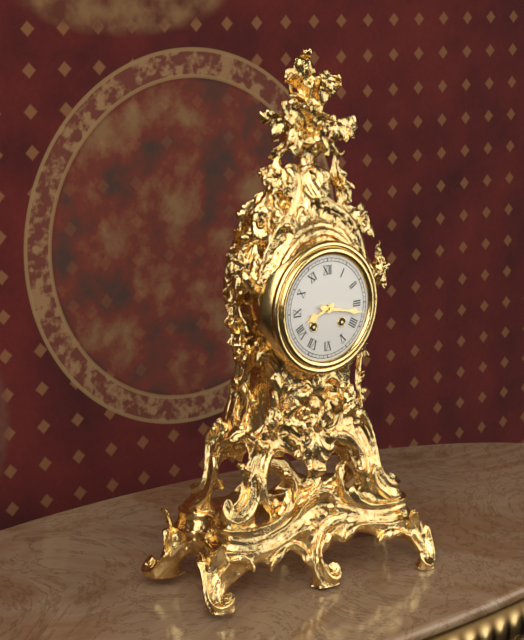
8:17
